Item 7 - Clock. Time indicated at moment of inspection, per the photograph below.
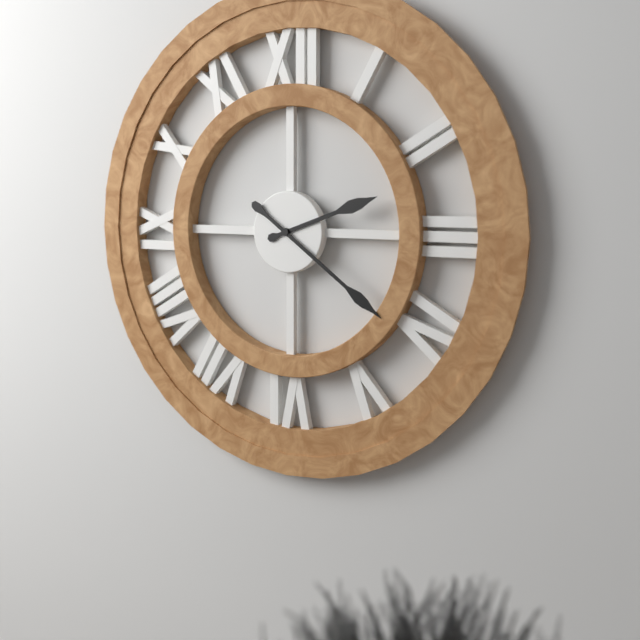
2:21
